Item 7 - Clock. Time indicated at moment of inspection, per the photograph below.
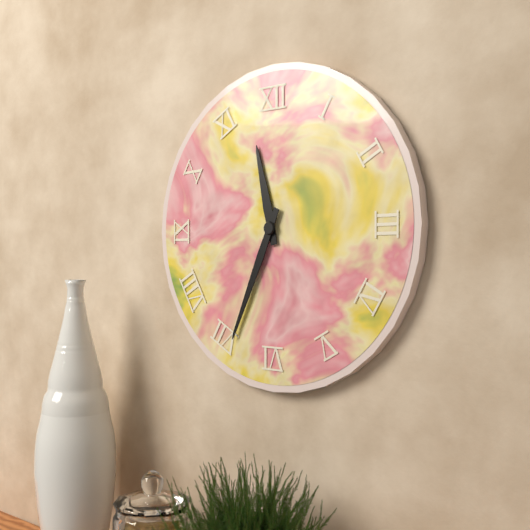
11:34
